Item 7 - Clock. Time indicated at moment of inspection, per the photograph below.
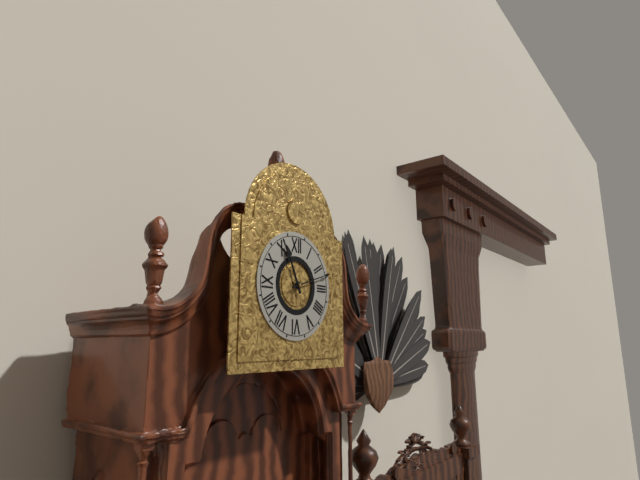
11:12
